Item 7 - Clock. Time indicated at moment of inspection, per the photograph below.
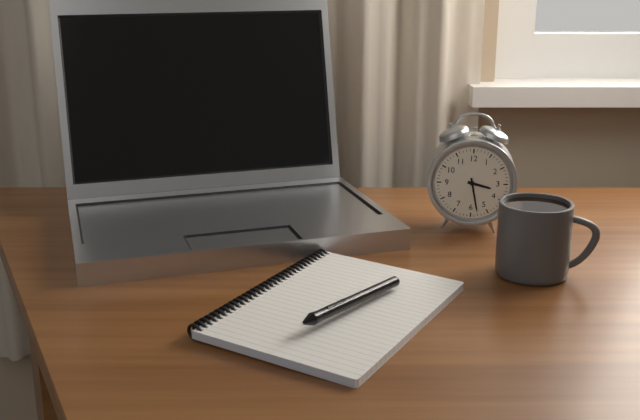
3:28
